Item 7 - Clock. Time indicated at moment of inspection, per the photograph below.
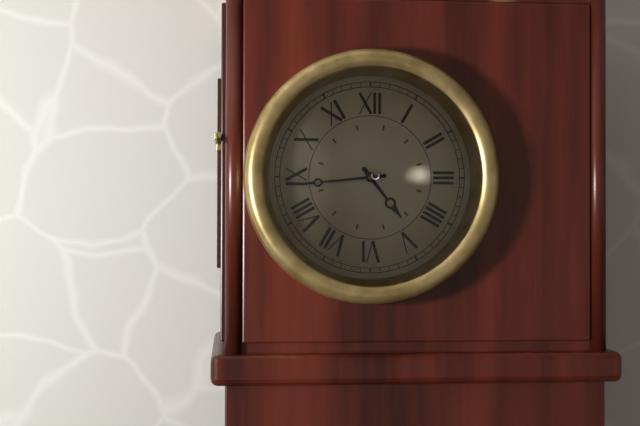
4:44
